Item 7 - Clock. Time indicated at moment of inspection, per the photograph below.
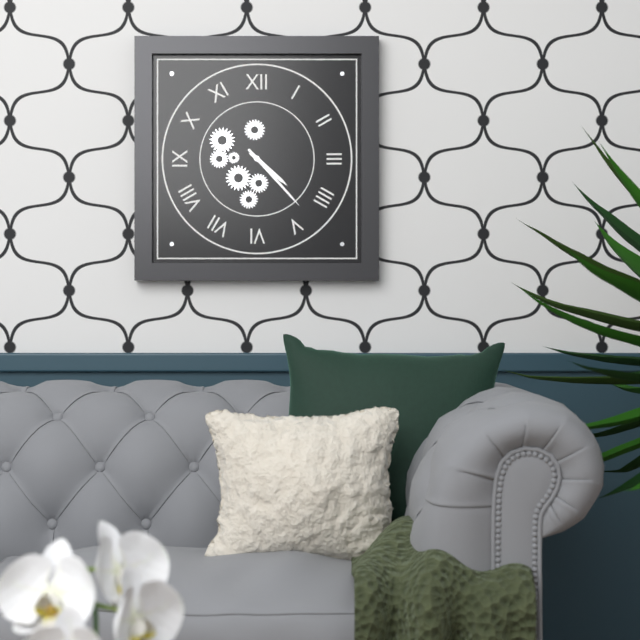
4:23
